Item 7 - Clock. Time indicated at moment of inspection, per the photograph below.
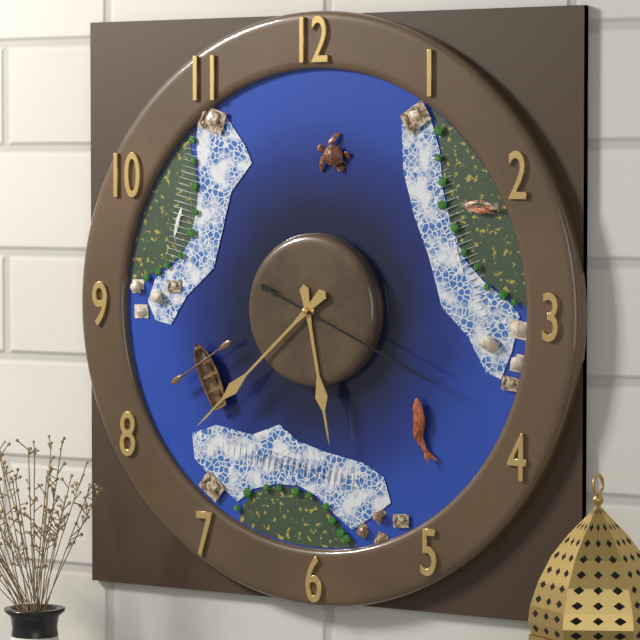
5:38:19
